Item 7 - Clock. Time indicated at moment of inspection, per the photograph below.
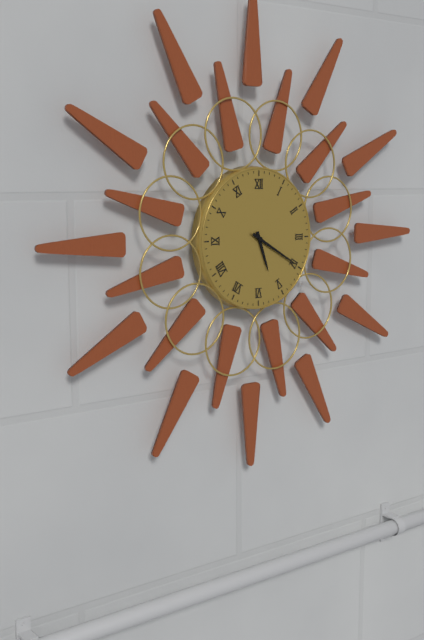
5:20
